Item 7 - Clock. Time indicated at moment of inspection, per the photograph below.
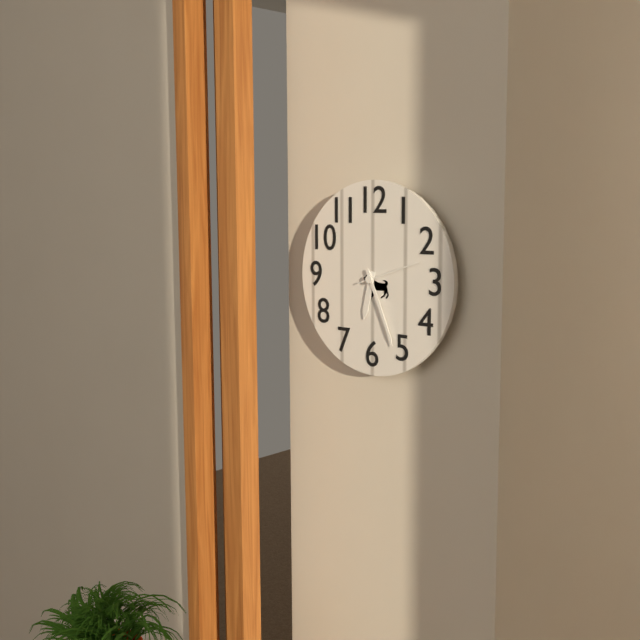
6:26:12
